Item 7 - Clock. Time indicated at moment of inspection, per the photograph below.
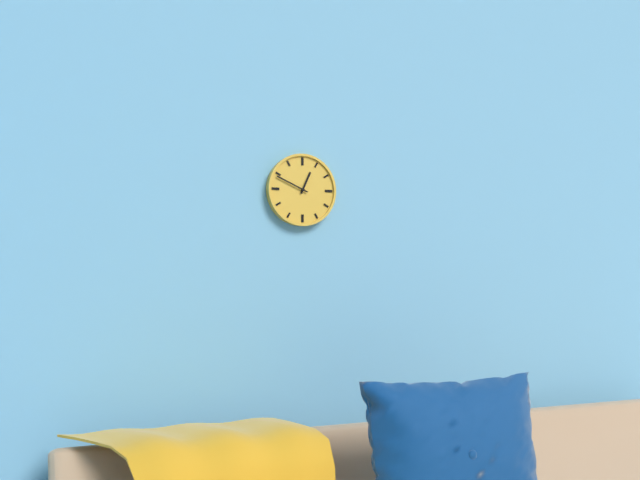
12:49
